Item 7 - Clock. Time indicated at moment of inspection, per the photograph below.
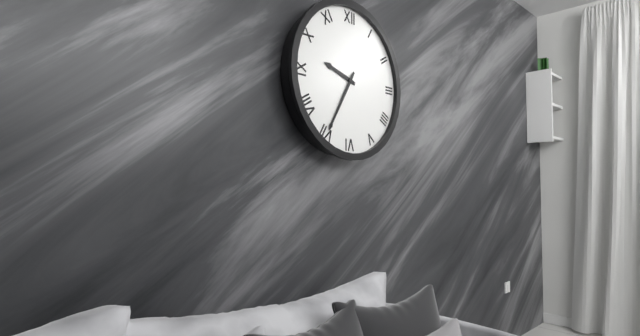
9:35
